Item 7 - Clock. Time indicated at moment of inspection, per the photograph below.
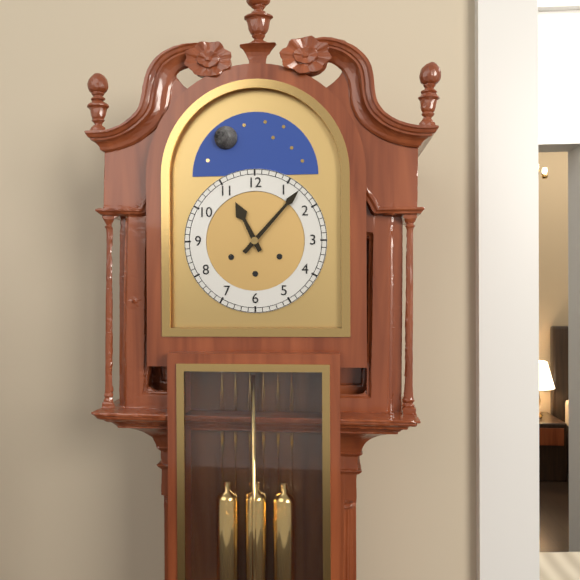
11:07
